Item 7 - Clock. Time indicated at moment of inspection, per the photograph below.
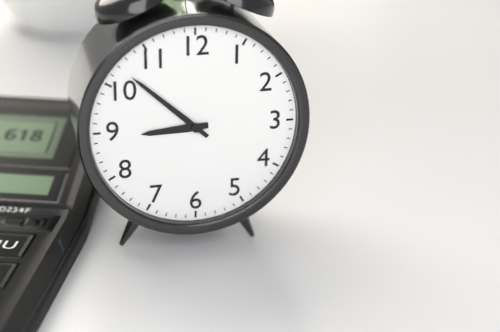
8:52
